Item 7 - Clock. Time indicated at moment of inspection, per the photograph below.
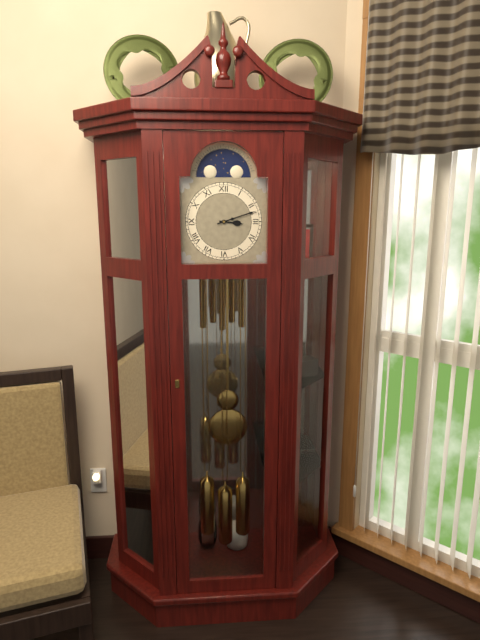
3:12
